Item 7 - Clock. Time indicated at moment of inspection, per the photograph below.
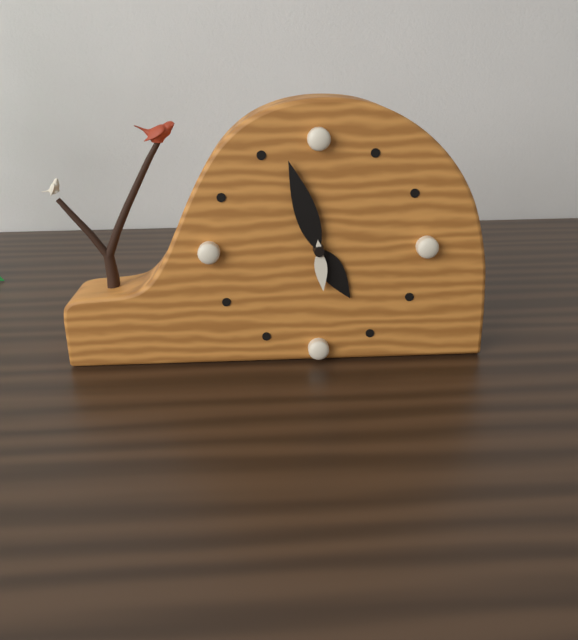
4:57:29
